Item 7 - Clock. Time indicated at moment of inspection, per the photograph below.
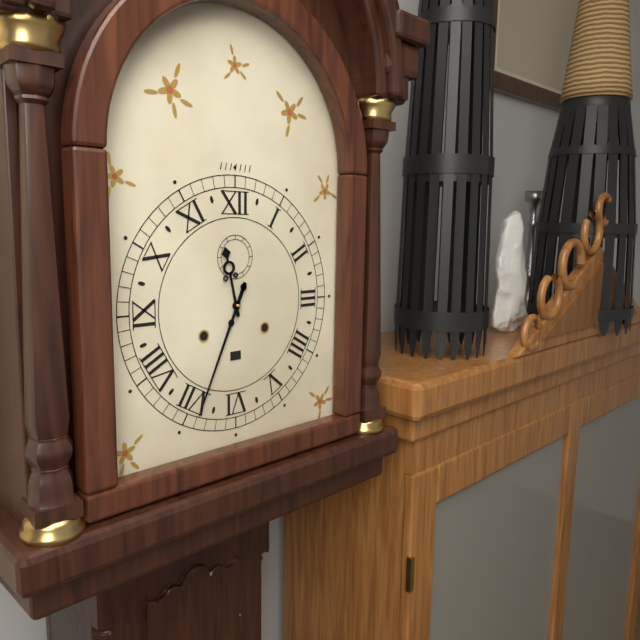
11:34
